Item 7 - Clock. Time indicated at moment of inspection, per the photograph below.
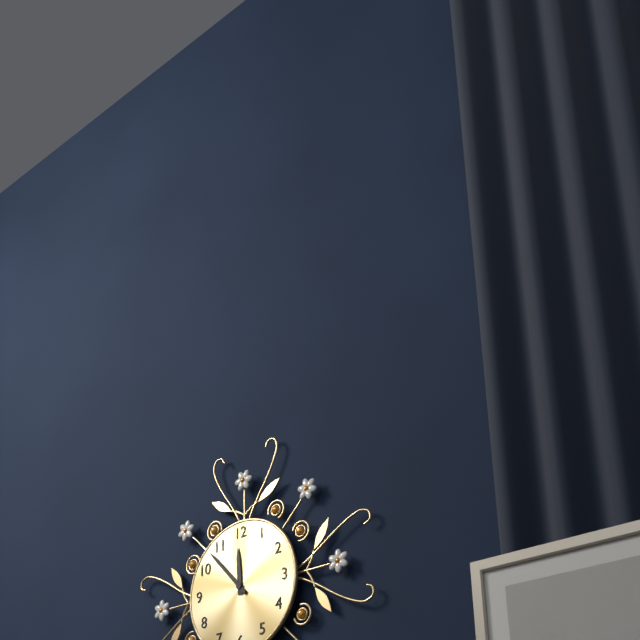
11:53
